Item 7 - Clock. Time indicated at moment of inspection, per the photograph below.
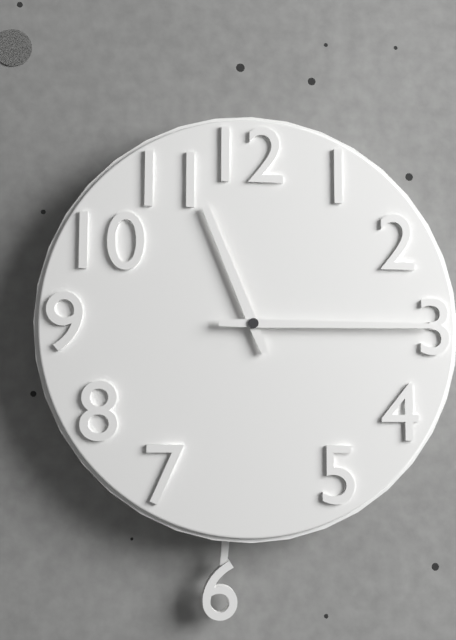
11:15
